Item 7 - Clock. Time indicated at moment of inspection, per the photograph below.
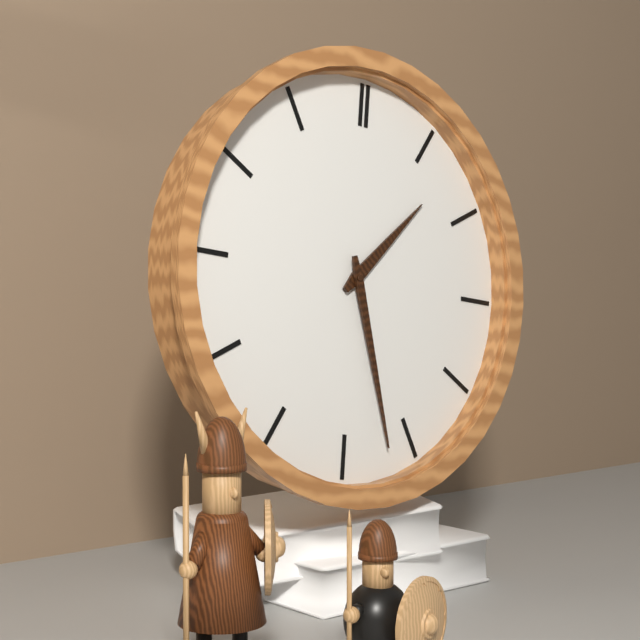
1:27
